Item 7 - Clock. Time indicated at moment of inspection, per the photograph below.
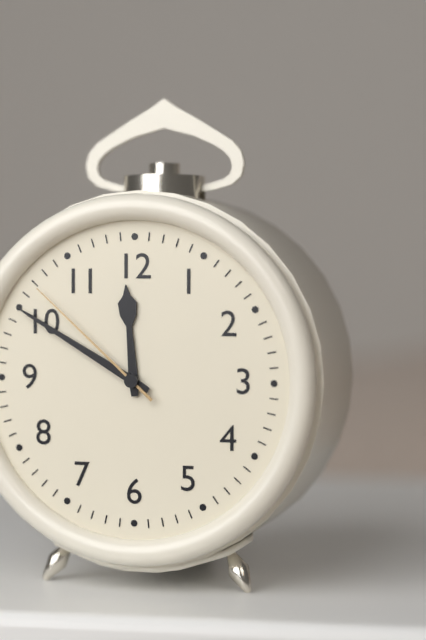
11:50:52
